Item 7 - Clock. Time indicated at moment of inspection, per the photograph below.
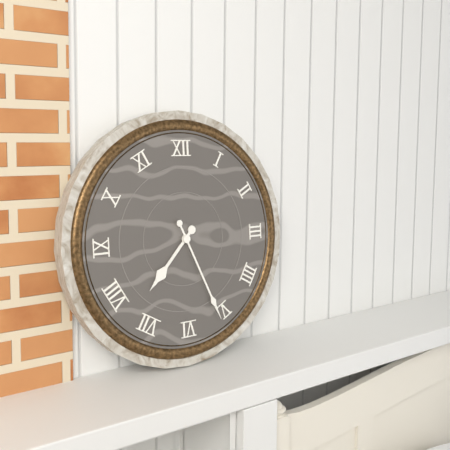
7:26
